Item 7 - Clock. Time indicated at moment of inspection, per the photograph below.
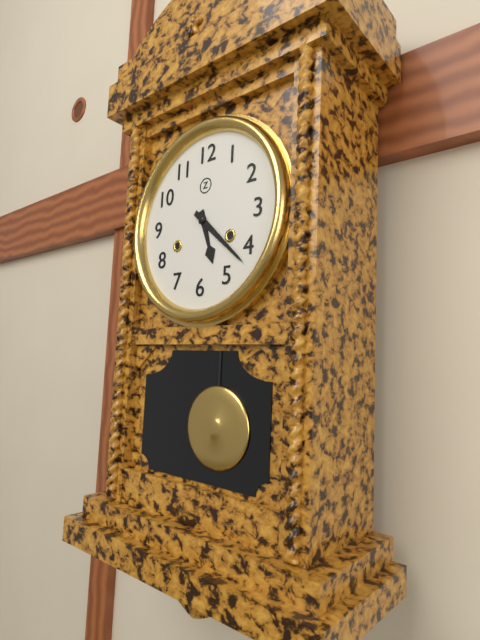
5:22
